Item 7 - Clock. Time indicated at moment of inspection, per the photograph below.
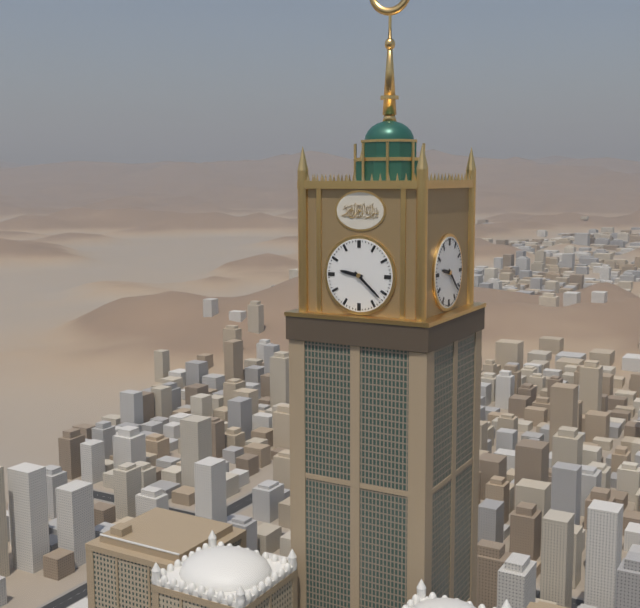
9:22
